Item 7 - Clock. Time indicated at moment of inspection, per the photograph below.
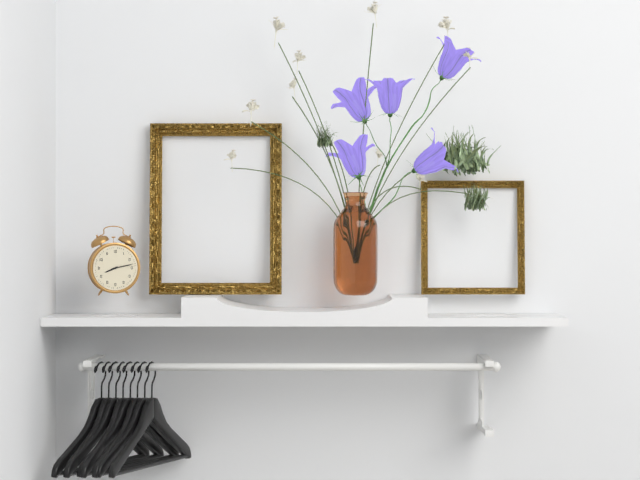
8:13
